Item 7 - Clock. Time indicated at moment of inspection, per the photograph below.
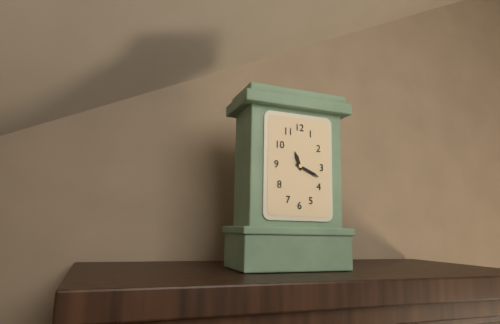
11:19
